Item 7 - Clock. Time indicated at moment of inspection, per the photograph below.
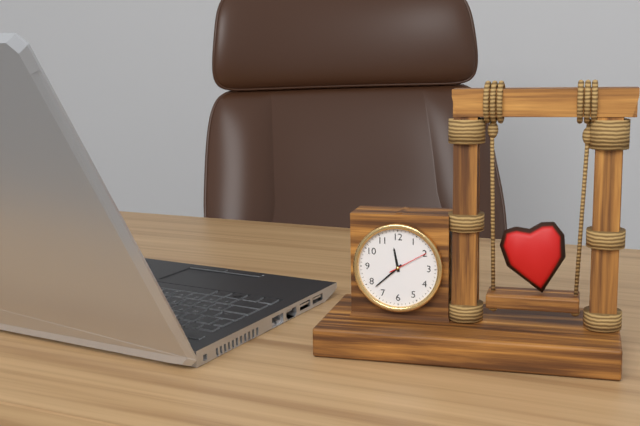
11:38
